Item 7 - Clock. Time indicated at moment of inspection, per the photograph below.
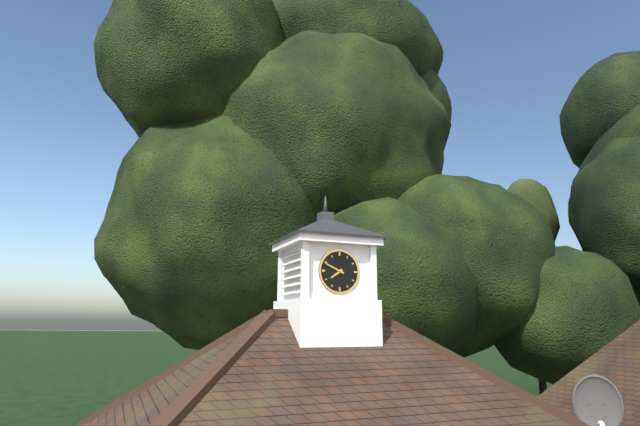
7:49
